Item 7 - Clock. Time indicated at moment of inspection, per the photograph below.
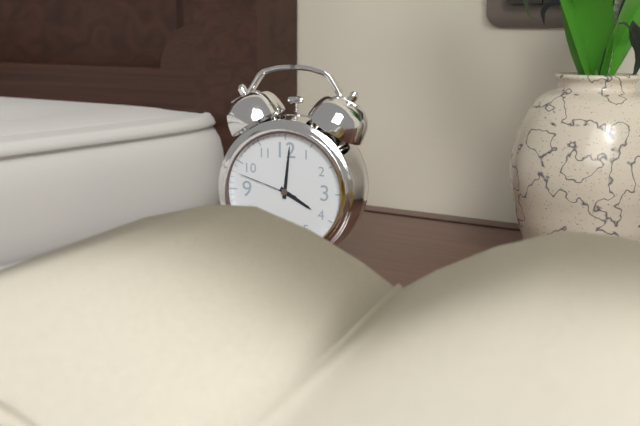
4:01:48
